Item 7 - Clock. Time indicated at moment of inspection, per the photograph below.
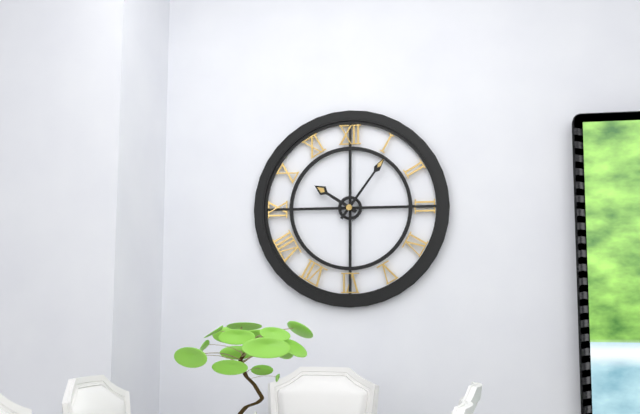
10:06
